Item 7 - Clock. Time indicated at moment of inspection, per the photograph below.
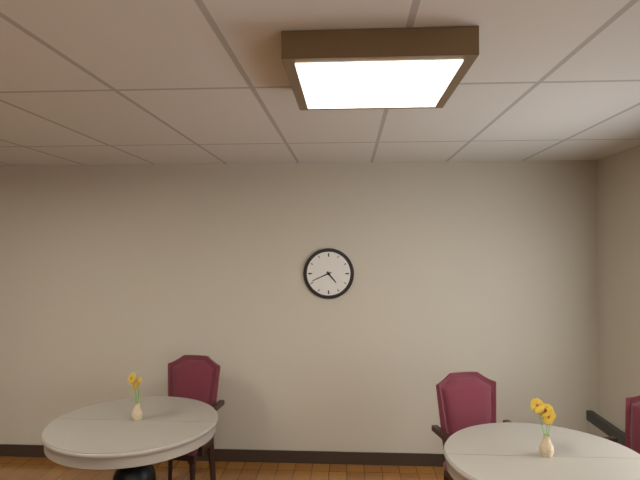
4:41
